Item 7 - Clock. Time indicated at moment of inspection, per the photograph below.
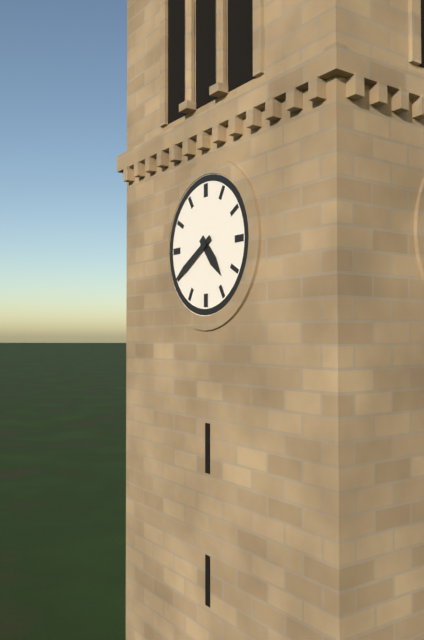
4:40
